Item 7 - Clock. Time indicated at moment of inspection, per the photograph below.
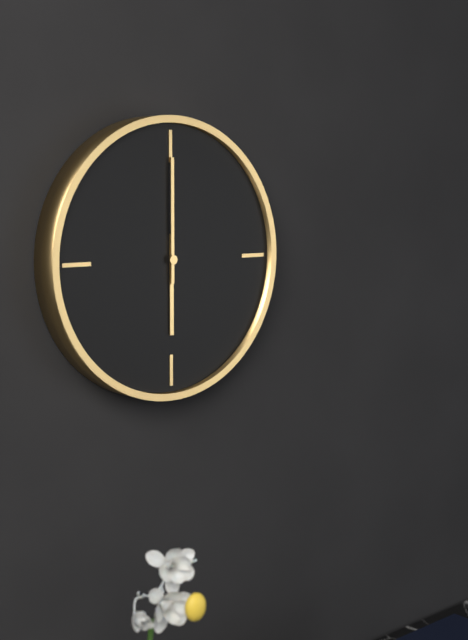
6:00
